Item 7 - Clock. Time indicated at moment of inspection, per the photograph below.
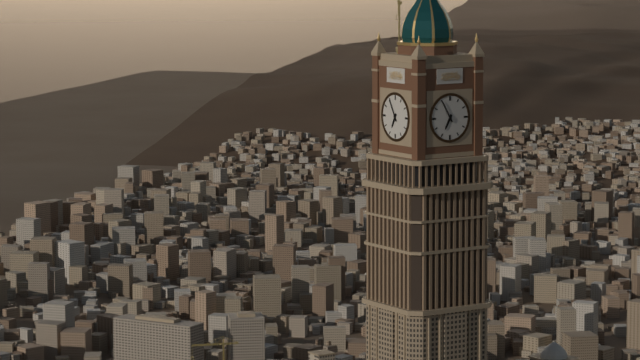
6:55
